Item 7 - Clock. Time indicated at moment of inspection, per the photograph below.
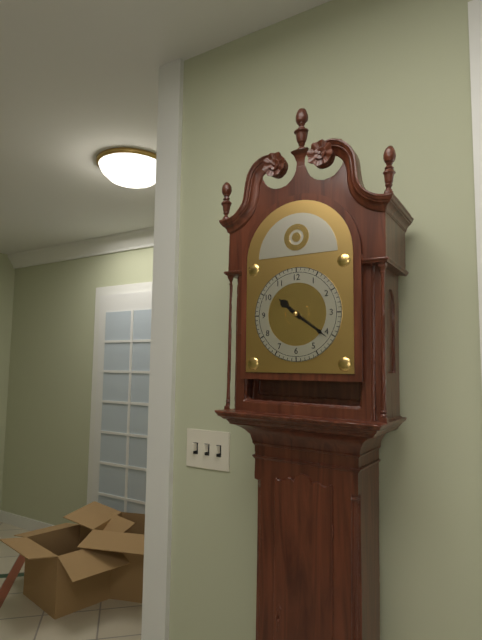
10:21
